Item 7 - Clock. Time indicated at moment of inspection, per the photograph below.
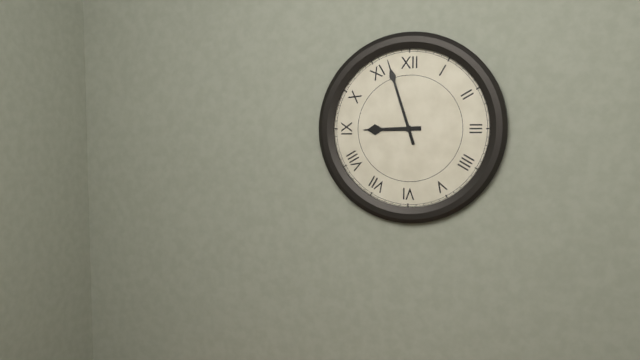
8:57
